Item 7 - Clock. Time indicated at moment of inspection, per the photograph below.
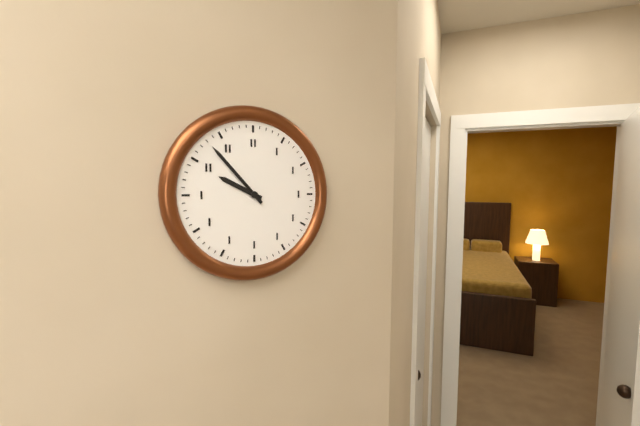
9:53
